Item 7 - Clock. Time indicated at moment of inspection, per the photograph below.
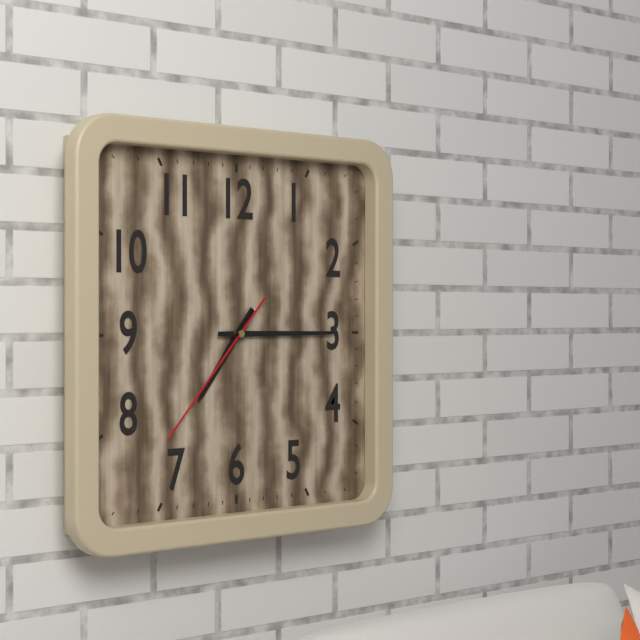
7:15:37
